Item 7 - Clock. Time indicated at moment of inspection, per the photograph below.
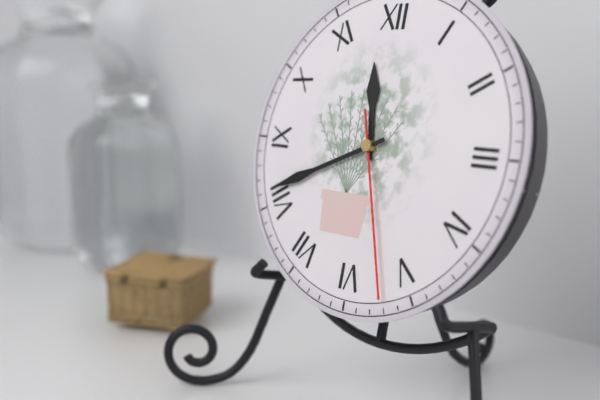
11:41:27
